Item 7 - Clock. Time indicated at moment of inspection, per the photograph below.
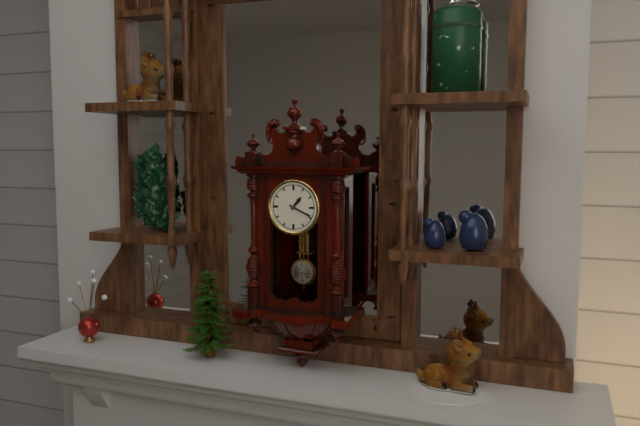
1:19
